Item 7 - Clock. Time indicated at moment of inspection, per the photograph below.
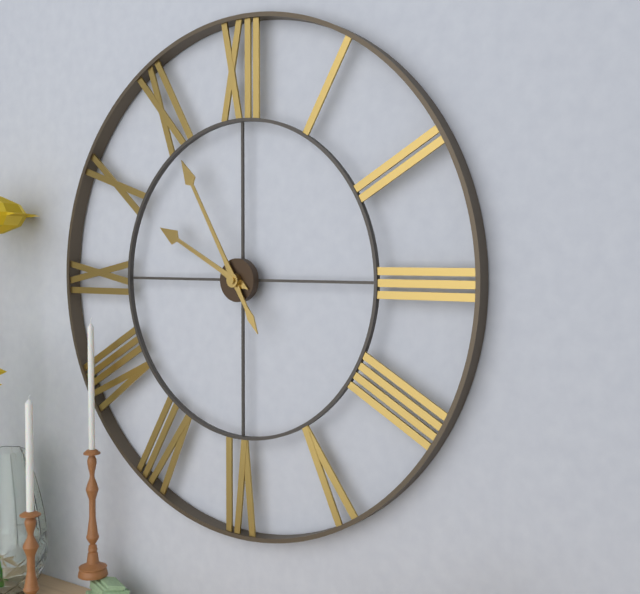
9:55
